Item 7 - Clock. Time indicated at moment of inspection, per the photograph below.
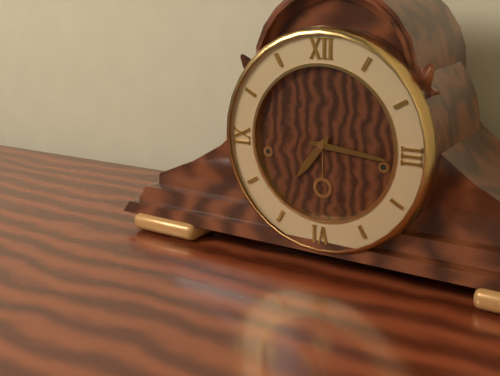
7:16
